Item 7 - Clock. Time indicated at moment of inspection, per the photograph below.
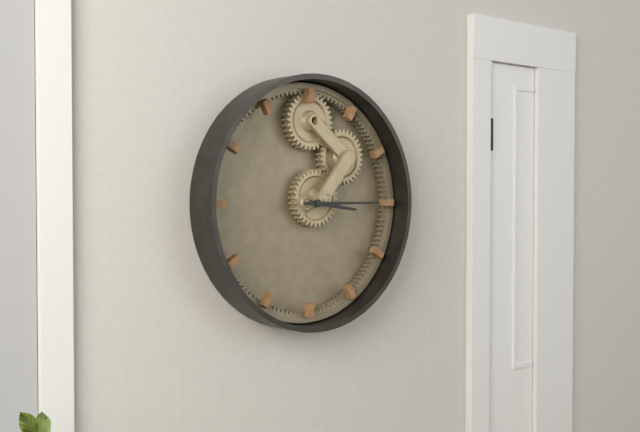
3:15
